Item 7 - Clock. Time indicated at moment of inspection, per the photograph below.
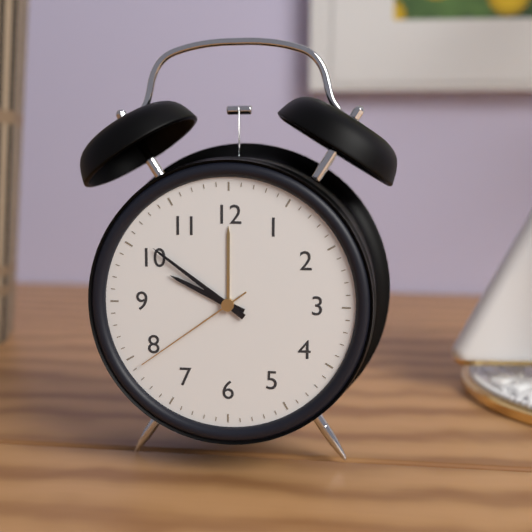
9:51:39
